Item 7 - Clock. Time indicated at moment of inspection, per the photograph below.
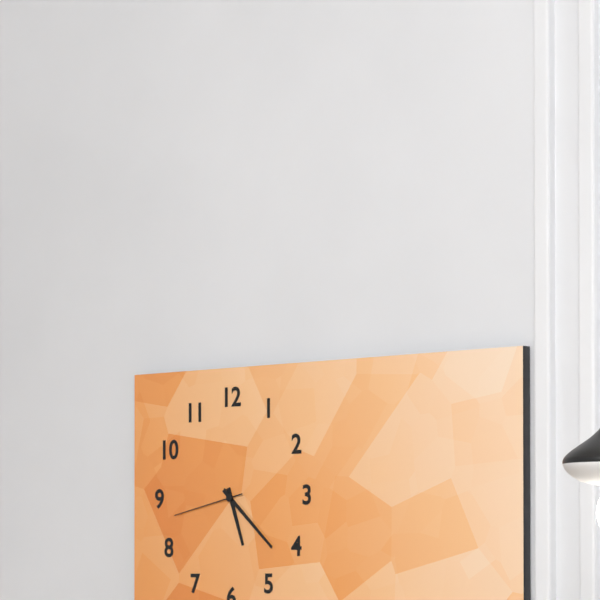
5:22:43
